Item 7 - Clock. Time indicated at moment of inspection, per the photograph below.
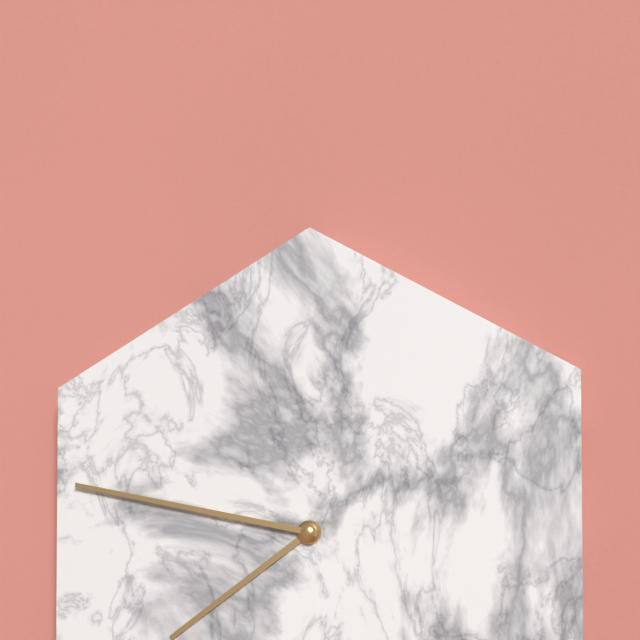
7:47
